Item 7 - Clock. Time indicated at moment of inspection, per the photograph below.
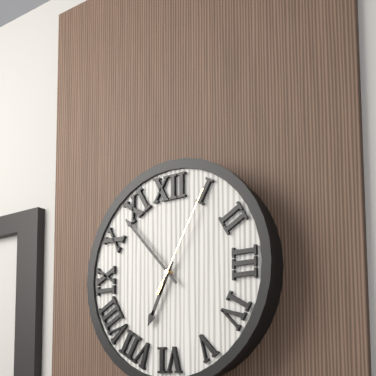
6:53:05
